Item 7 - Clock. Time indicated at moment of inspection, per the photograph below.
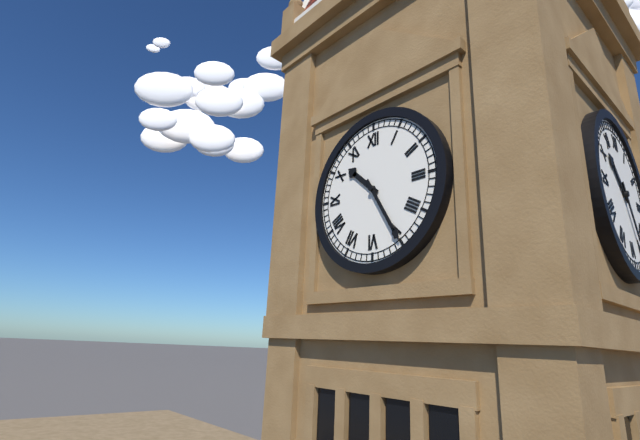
10:25
